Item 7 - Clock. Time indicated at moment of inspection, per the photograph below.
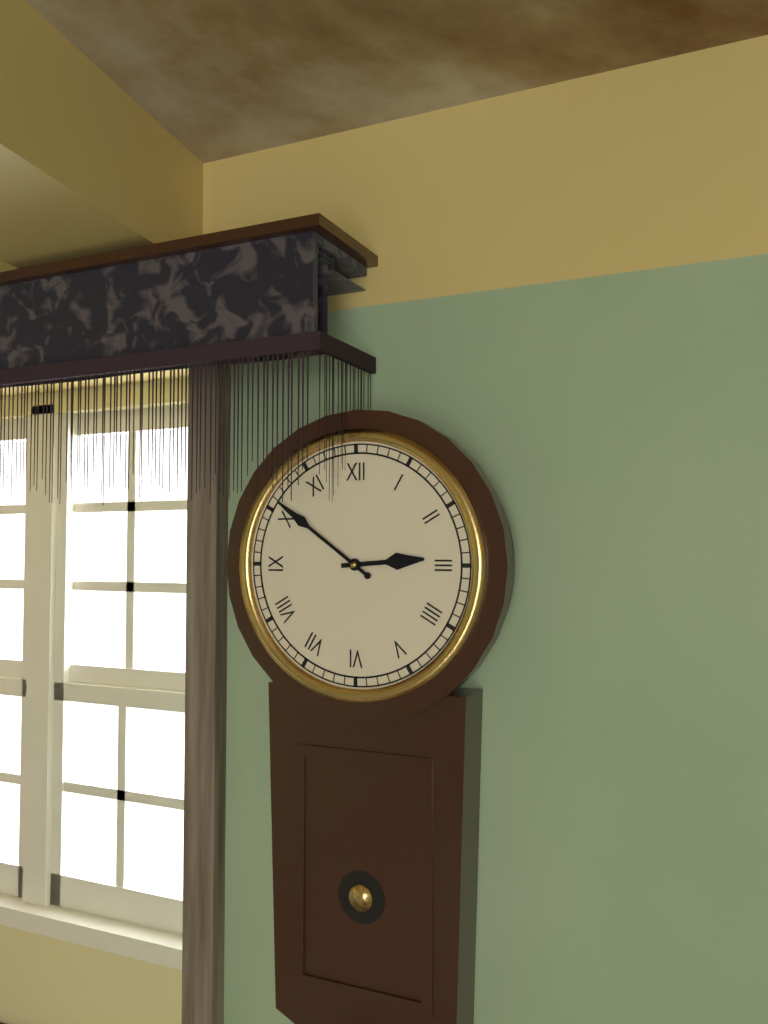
2:51
